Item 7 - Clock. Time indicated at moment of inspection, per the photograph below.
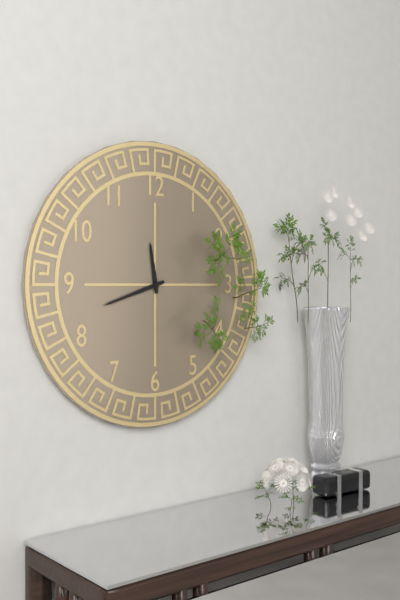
11:42
